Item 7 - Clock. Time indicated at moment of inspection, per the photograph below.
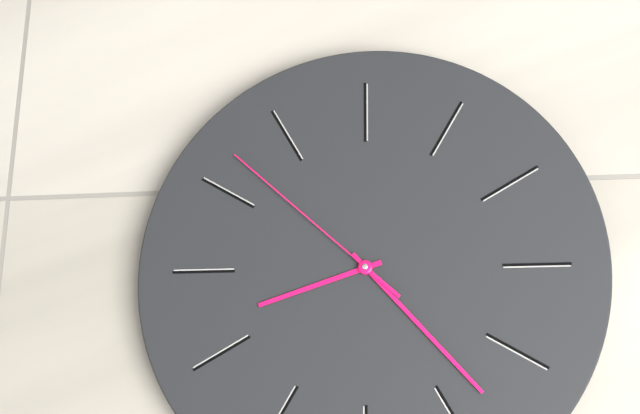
8:23:52
